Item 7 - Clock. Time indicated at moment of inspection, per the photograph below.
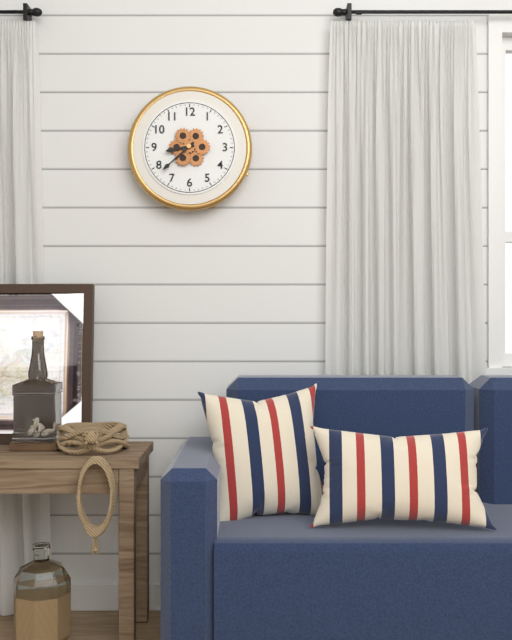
8:38
